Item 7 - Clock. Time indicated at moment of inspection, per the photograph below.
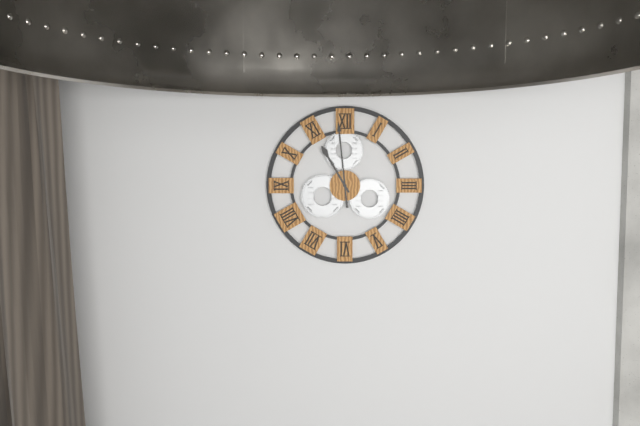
10:59
